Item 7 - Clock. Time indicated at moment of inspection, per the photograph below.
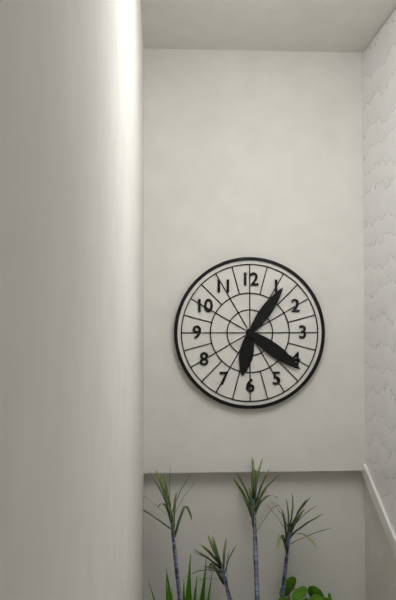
6:21:06
